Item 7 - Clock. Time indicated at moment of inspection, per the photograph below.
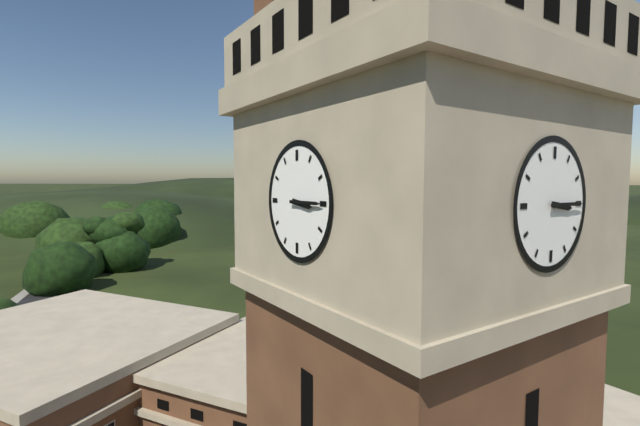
3:15
